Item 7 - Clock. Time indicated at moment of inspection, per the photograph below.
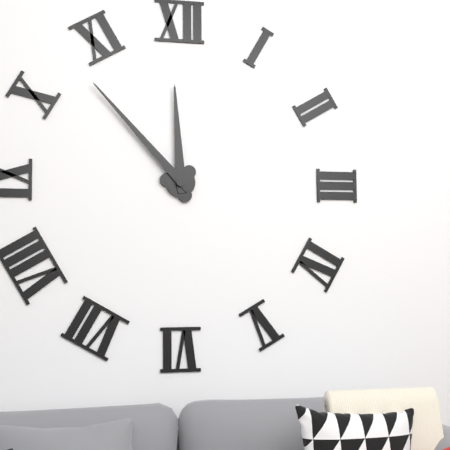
11:53
